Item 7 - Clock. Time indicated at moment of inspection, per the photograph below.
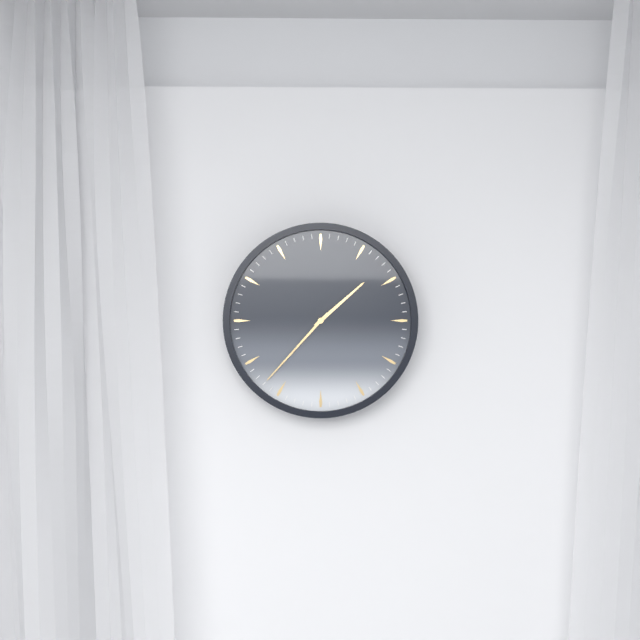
1:37
